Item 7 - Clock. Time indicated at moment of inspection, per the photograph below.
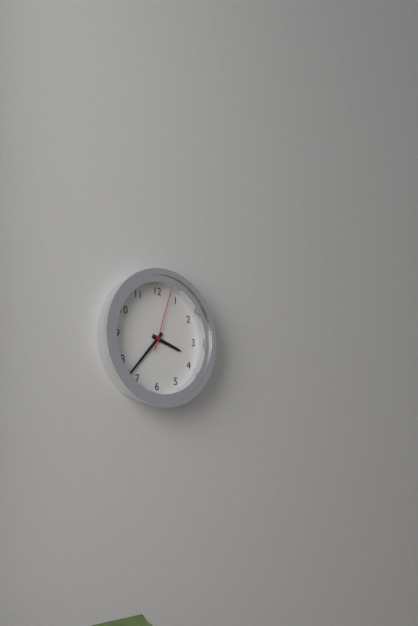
3:37:03
